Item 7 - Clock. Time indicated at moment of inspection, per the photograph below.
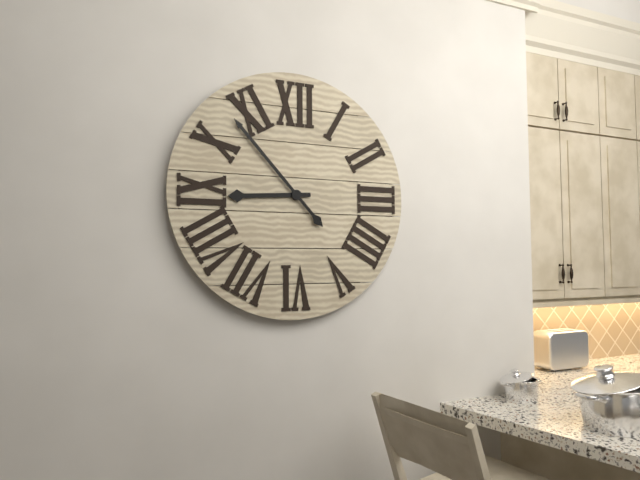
8:53
